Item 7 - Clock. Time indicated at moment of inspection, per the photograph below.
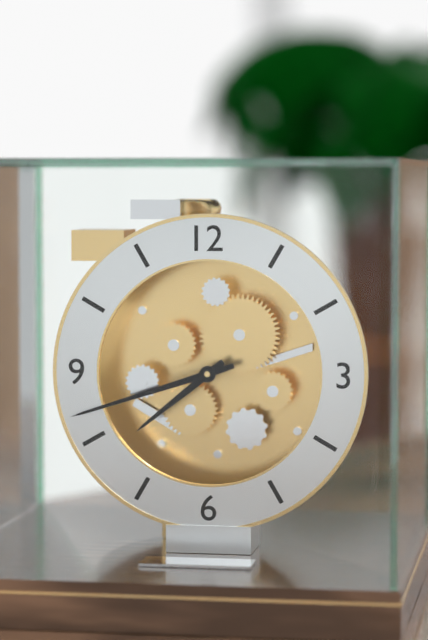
7:42
